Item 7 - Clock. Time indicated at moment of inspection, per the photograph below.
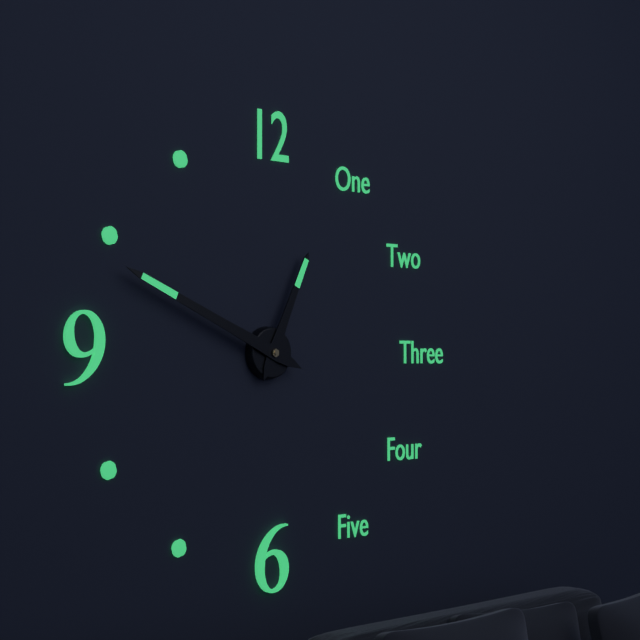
12:49
